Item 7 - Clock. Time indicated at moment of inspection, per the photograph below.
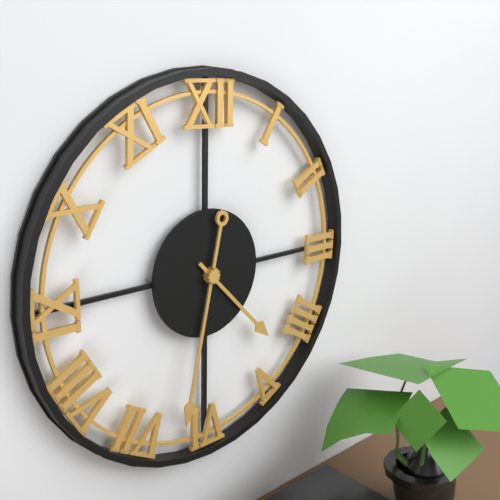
4:32
